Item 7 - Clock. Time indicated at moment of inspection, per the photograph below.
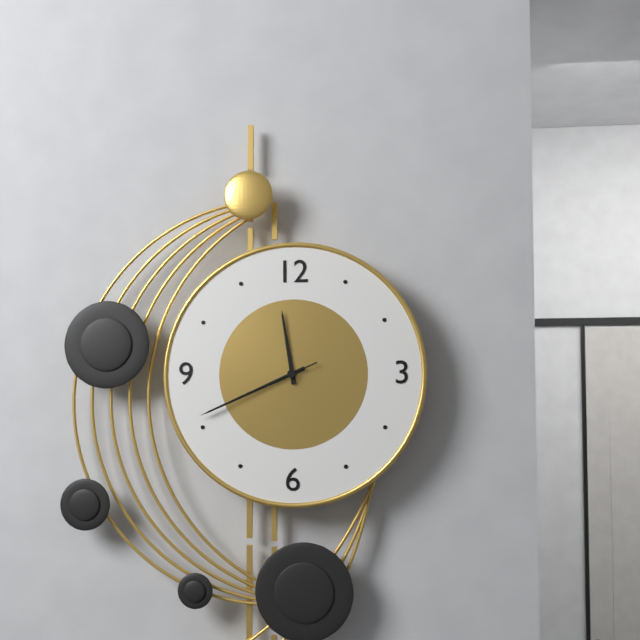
11:41:41
